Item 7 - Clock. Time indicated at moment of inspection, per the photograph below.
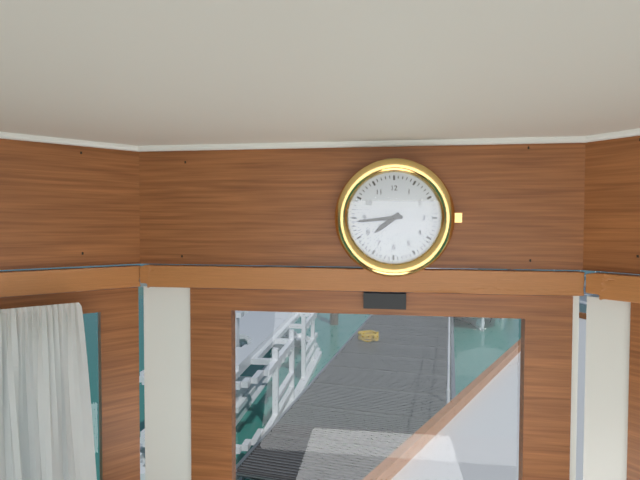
7:44
